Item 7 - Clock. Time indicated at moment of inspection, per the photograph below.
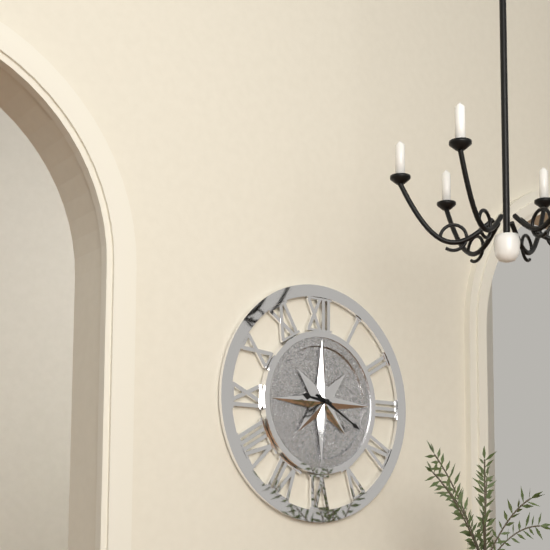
9:20
